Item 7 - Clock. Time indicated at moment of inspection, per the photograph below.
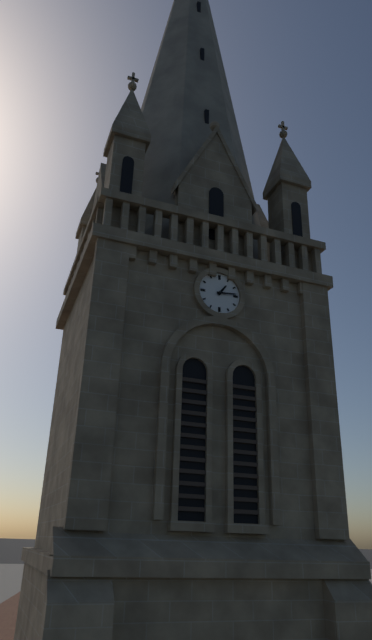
1:14
